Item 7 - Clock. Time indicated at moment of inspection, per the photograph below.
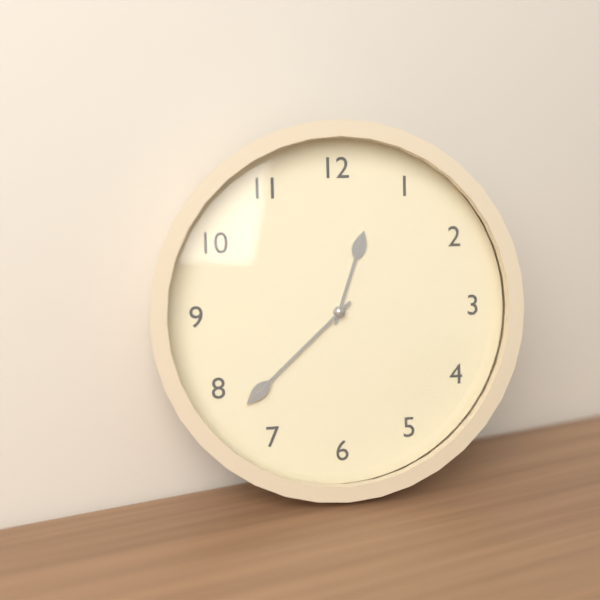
12:38
